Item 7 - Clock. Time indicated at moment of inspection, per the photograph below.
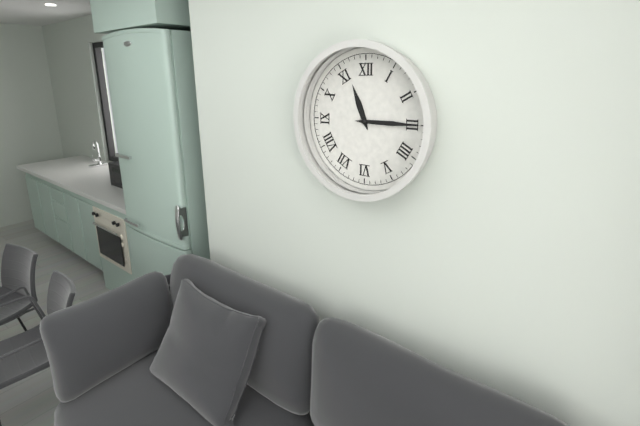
11:15
